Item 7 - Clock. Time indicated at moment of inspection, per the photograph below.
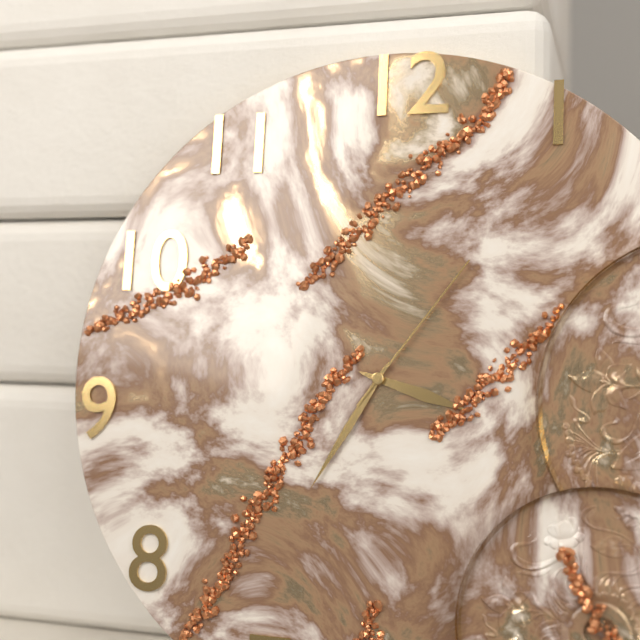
3:35:06
